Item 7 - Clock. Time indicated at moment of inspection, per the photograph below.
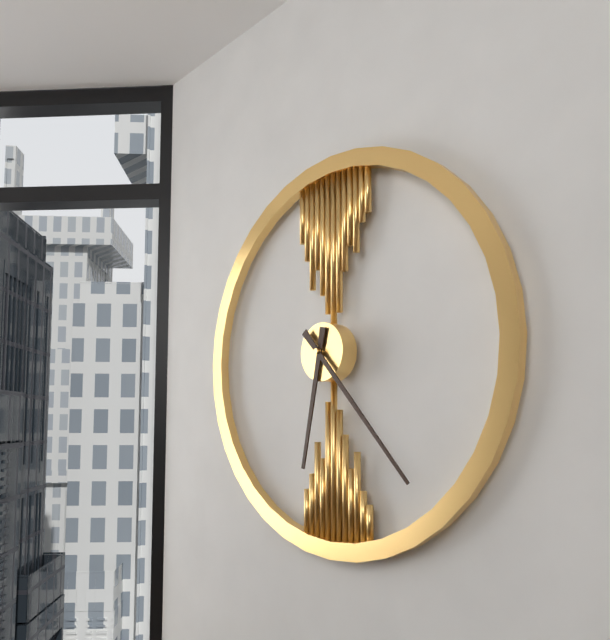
6:23
